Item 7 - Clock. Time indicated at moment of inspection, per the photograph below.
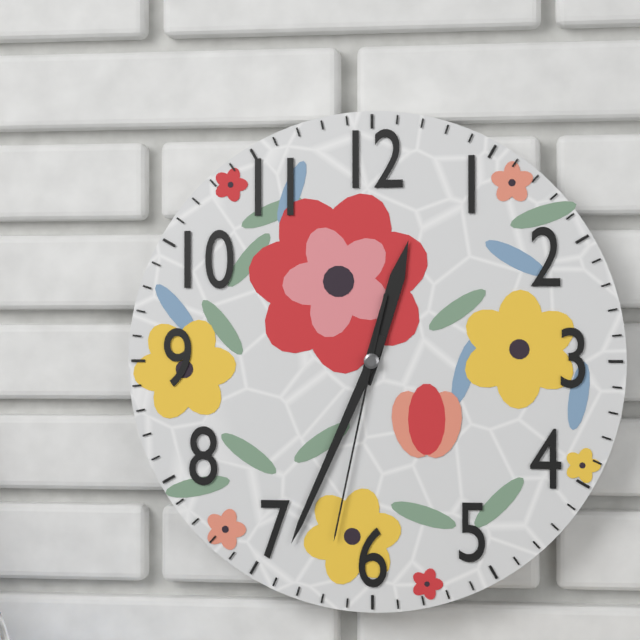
12:34:32
